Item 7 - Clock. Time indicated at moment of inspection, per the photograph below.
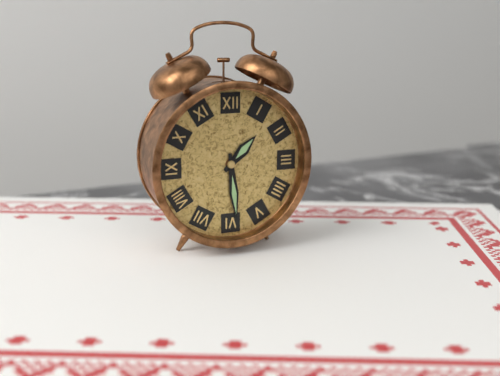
1:29
